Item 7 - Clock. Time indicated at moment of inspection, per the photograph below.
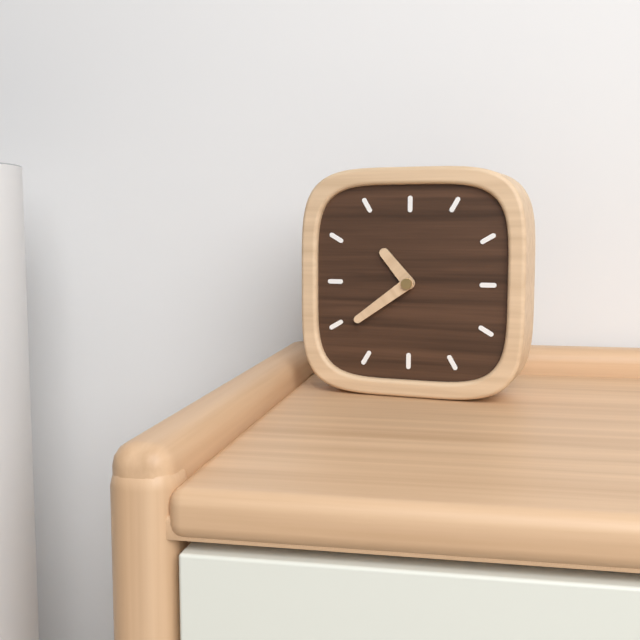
10:39
